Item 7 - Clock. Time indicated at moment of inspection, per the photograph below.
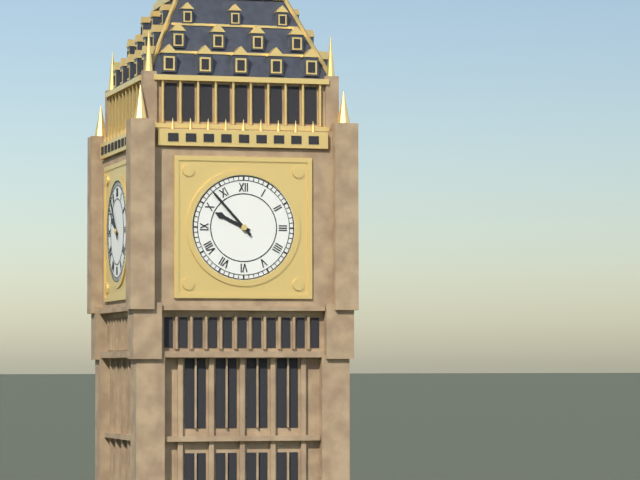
9:53
